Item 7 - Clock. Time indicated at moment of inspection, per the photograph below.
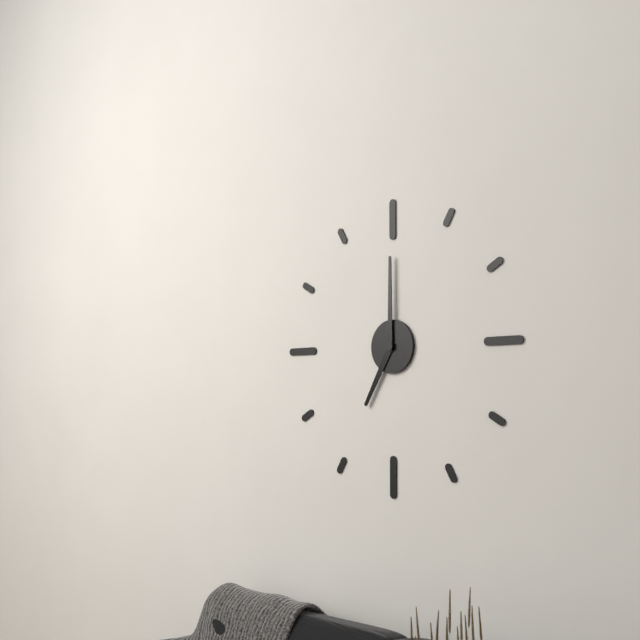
7:00
